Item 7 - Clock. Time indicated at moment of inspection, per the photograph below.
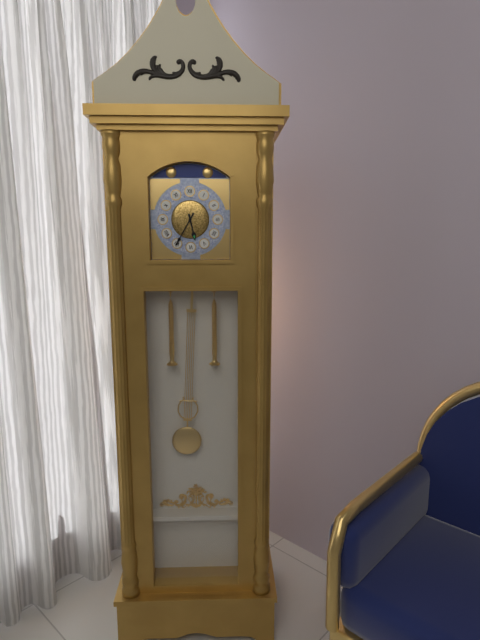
5:35
